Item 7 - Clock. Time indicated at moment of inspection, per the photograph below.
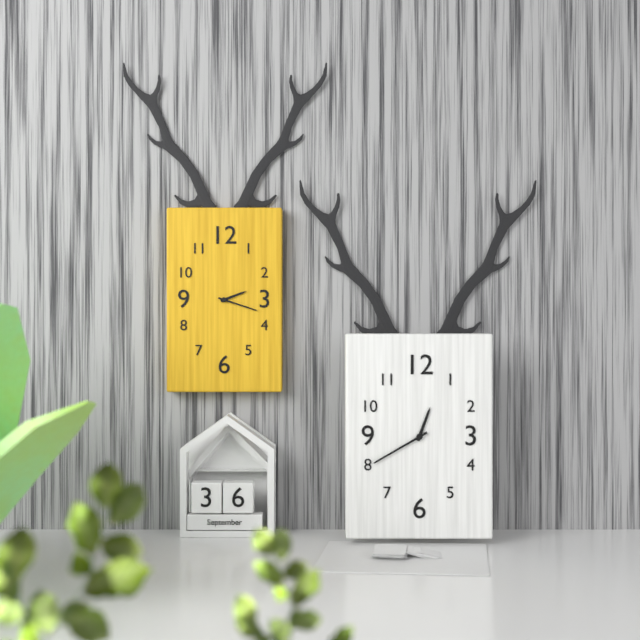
2:18
